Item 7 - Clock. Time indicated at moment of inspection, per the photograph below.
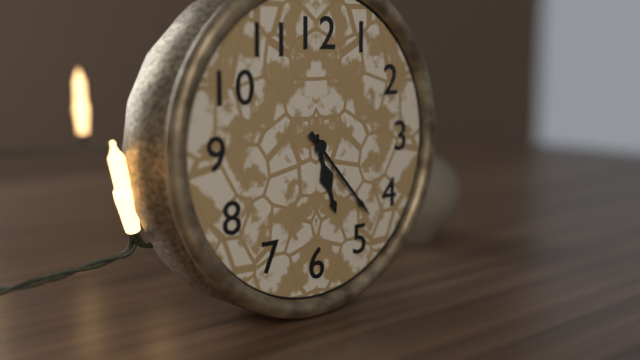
5:23
